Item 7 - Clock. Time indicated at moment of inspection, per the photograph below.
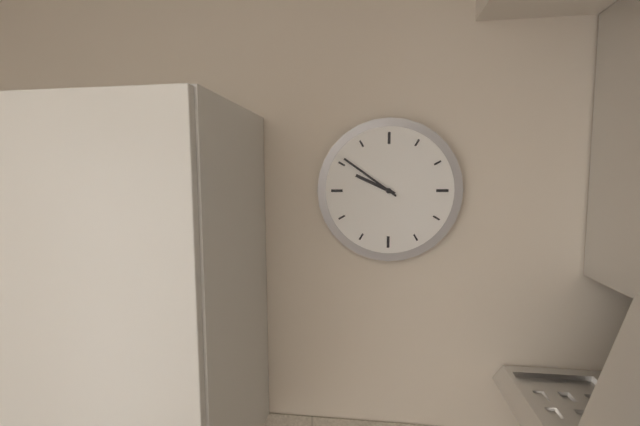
9:51
